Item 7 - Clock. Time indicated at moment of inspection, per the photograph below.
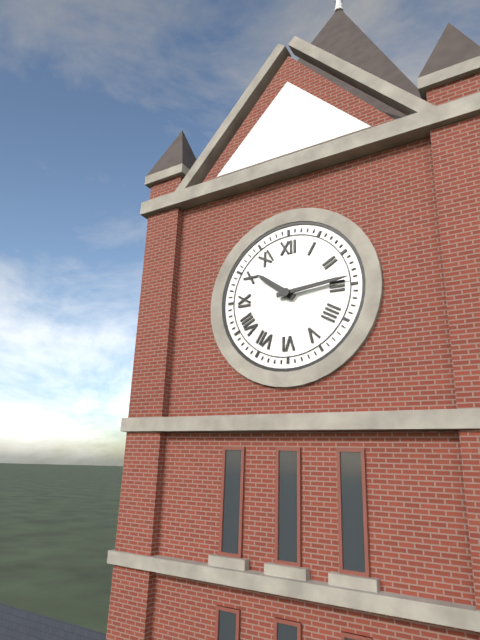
10:14
